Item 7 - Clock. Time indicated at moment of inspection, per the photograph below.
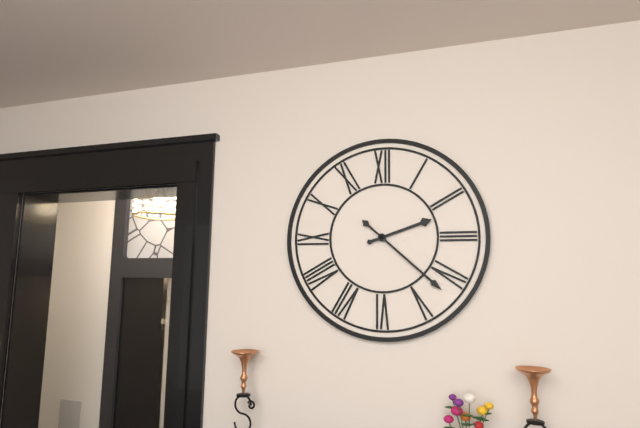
2:22
